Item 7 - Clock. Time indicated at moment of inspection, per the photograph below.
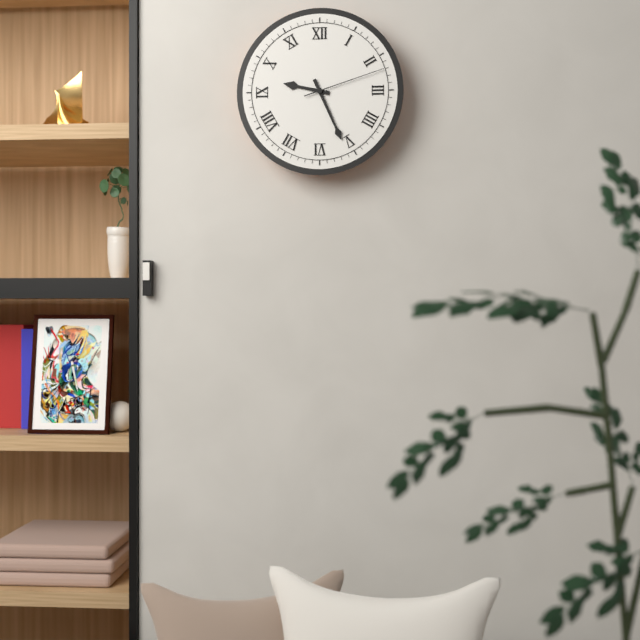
9:26:12
